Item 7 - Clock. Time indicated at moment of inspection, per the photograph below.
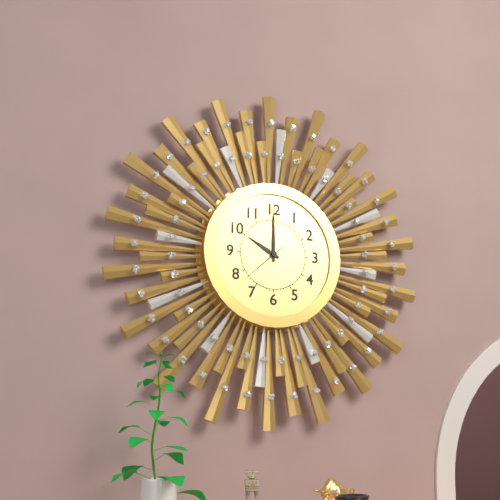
10:00:38
